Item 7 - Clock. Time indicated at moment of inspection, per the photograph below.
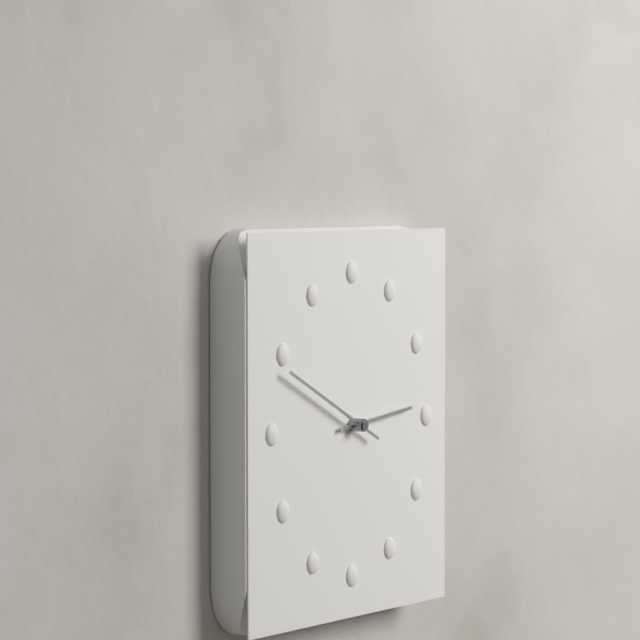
2:49
